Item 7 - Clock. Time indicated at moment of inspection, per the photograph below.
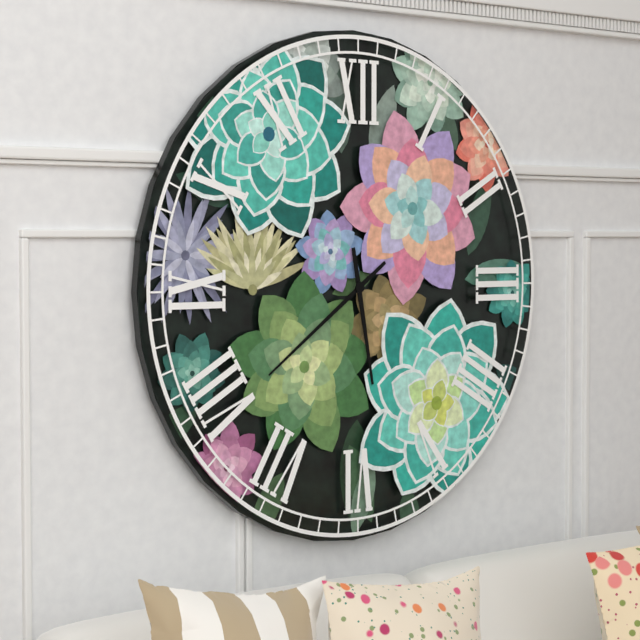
5:39
